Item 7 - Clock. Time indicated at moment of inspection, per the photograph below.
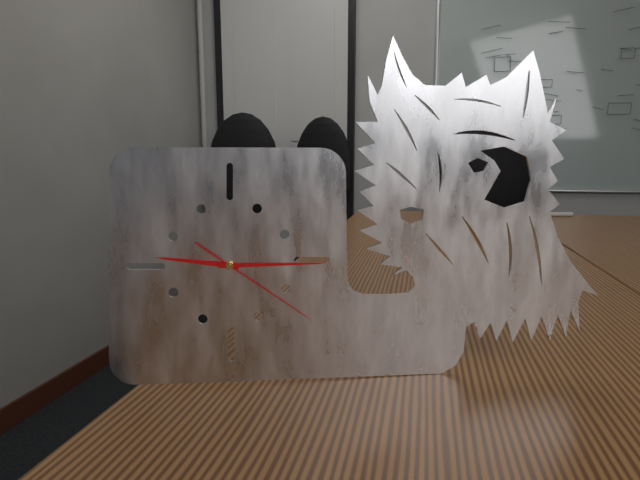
9:15:21
